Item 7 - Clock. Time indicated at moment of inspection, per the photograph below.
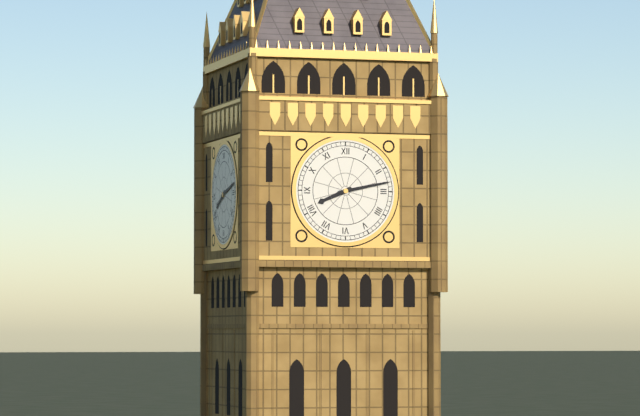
8:13
